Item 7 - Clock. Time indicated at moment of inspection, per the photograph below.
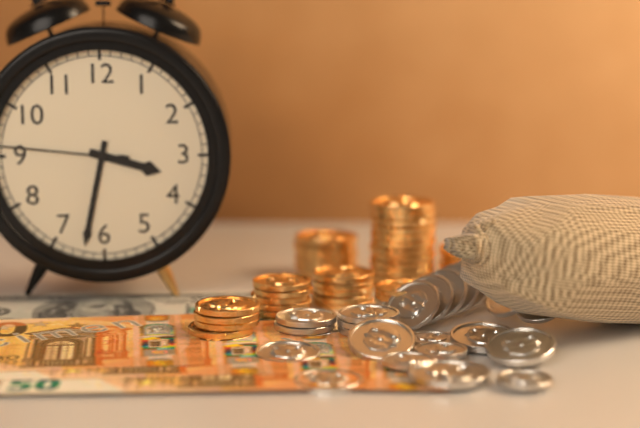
3:32
